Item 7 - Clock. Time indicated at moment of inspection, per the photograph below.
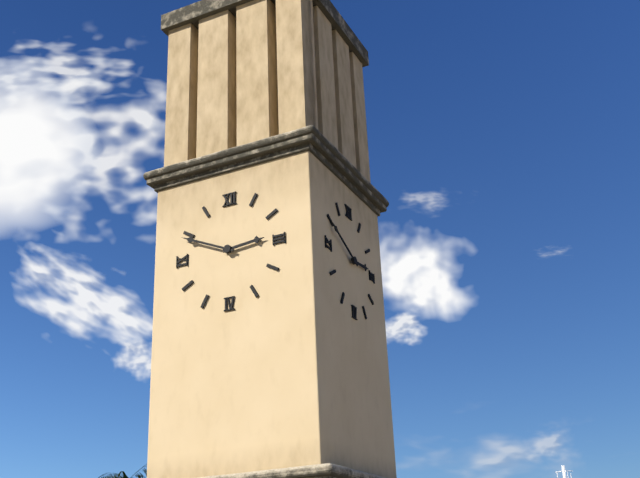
2:49
